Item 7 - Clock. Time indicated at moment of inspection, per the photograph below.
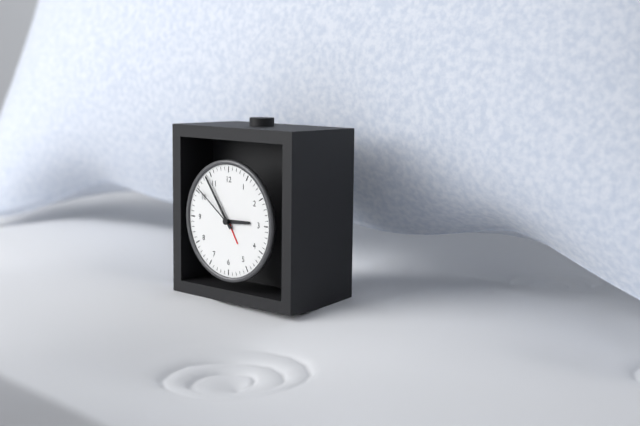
2:54:51
